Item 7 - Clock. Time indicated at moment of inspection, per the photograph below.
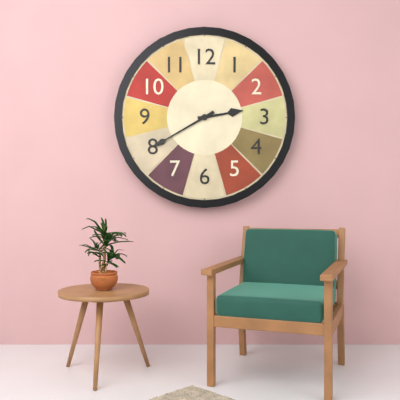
2:40
